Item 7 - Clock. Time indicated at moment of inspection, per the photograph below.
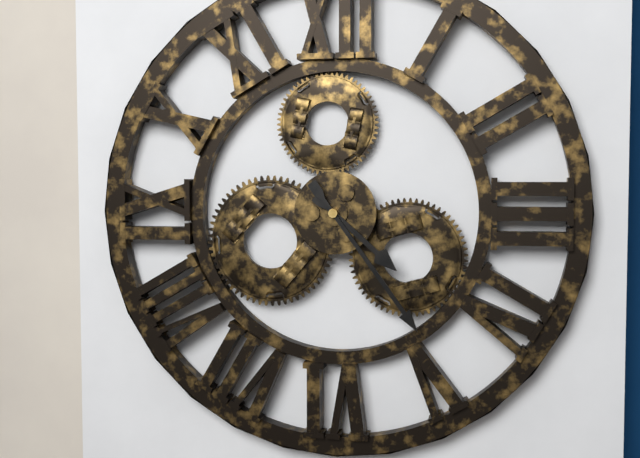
4:24
